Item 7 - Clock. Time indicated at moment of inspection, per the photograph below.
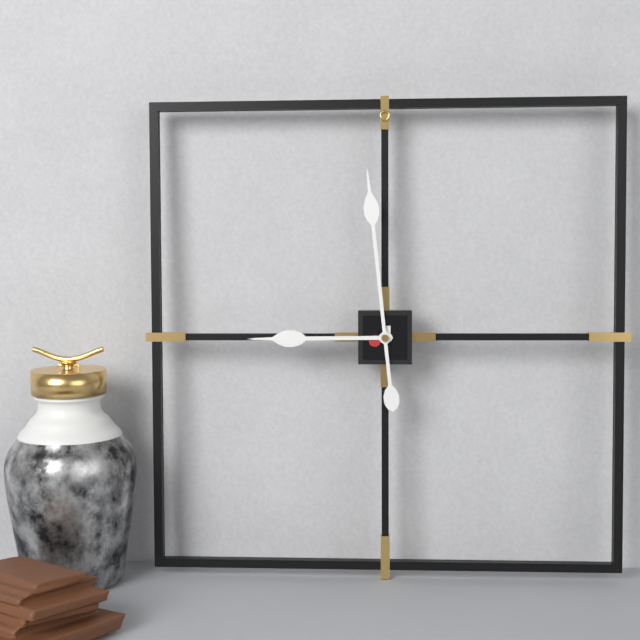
8:59
